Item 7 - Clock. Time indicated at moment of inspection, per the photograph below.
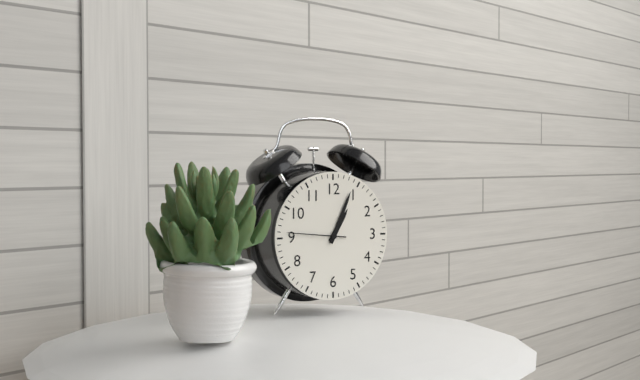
1:04:46
